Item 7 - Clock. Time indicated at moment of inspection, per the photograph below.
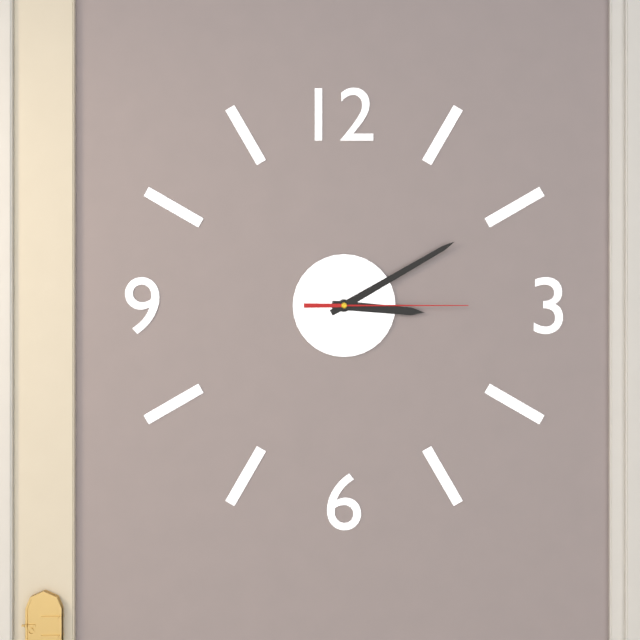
3:10:15
